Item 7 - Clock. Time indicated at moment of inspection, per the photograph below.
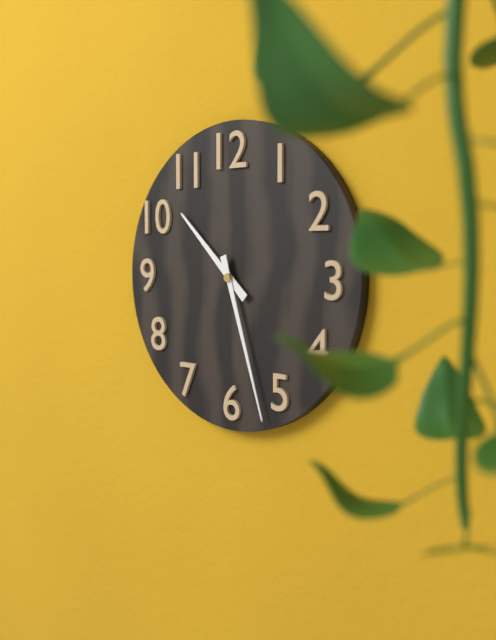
10:27
